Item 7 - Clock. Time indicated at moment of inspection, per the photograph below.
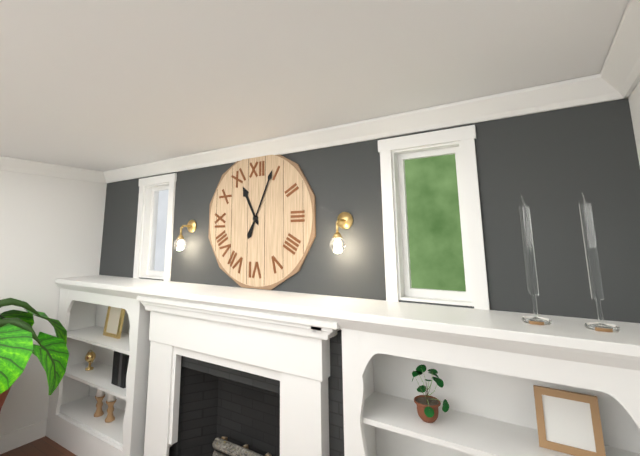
11:04
